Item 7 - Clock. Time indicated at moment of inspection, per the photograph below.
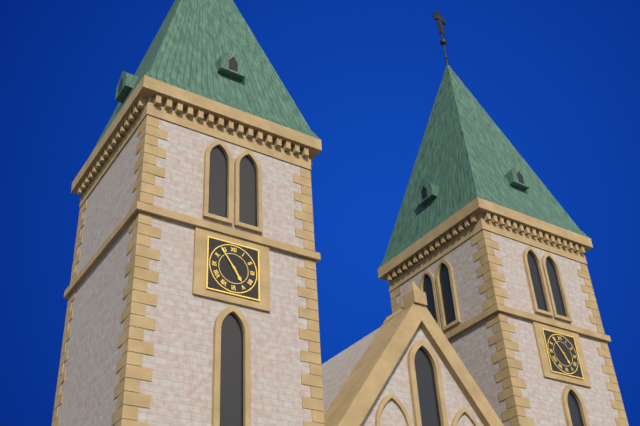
4:54
